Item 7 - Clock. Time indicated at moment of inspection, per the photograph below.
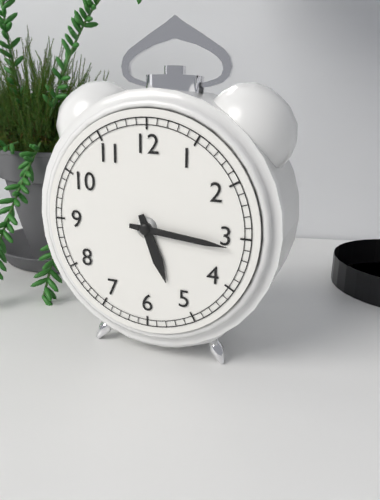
5:16
